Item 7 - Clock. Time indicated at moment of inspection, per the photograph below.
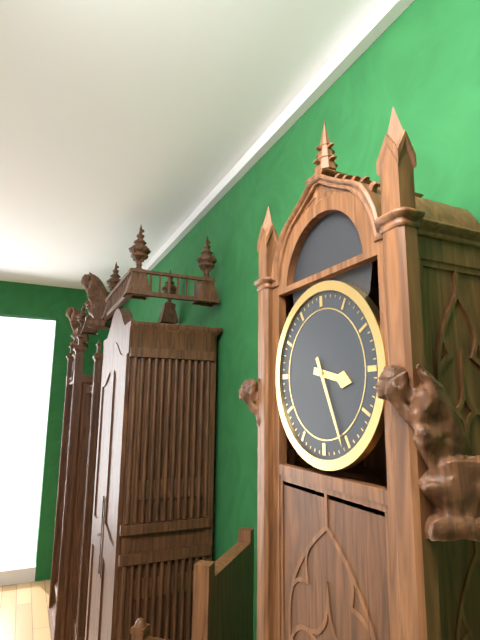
3:26
